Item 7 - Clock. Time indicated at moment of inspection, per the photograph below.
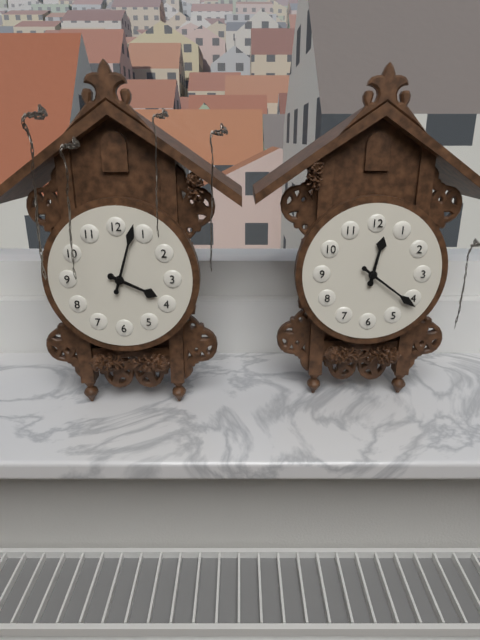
12:21
